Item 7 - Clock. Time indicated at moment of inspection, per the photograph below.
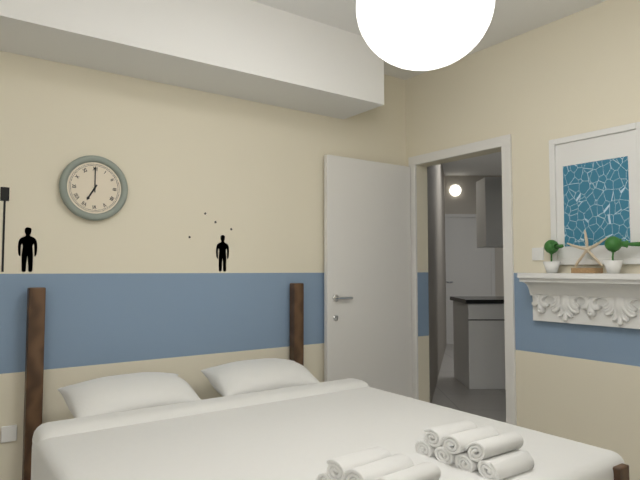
7:00
